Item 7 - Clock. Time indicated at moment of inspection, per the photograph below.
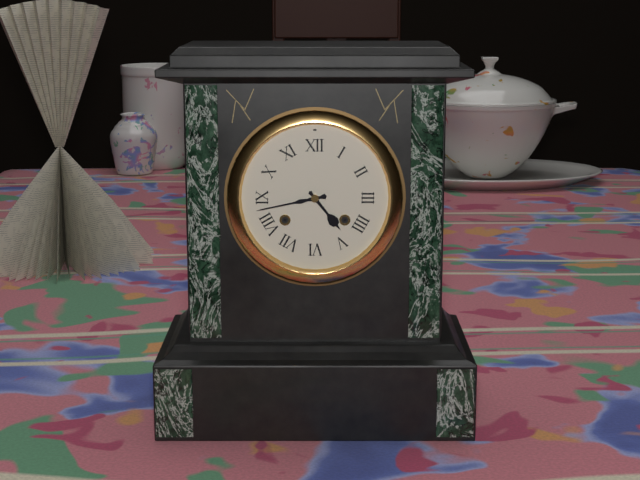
4:43
